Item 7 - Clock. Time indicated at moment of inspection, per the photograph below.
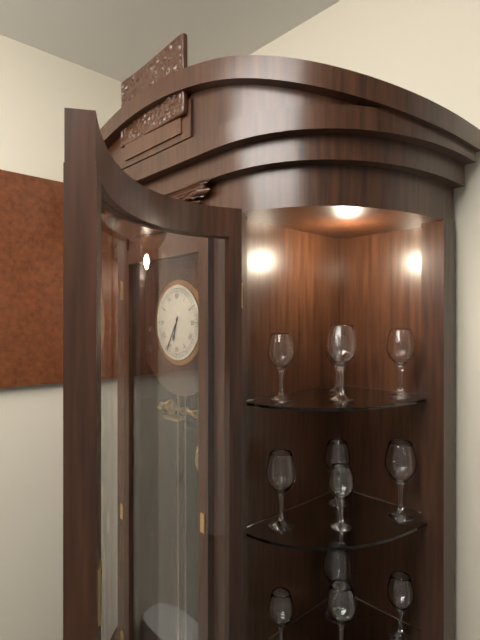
6:35
